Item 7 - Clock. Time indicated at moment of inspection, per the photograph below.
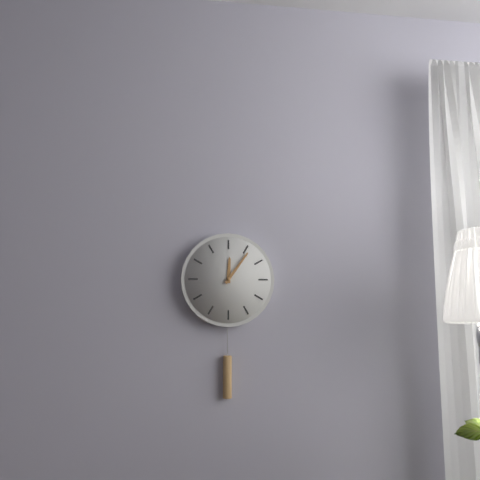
12:06
